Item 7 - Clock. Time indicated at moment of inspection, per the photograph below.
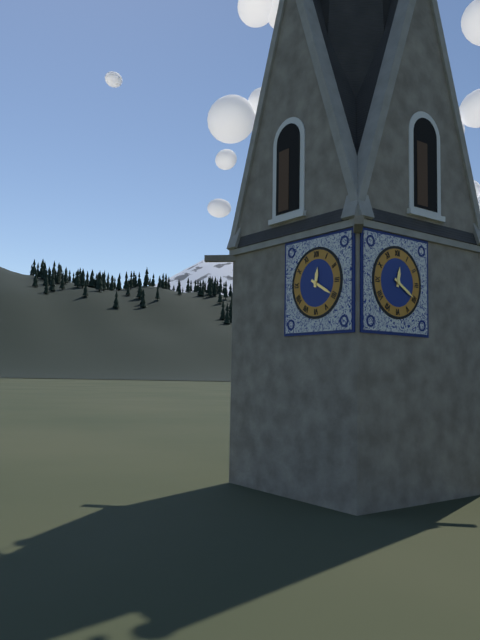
12:20
